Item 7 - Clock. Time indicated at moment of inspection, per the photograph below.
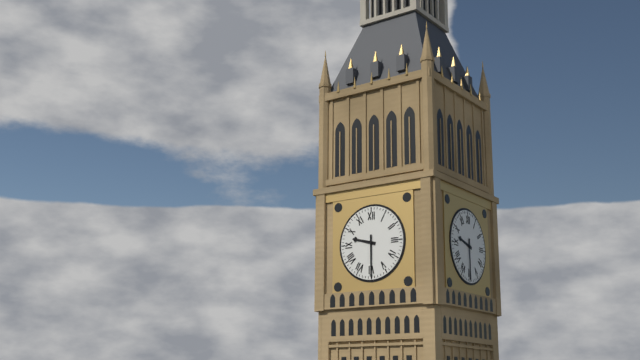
9:30
